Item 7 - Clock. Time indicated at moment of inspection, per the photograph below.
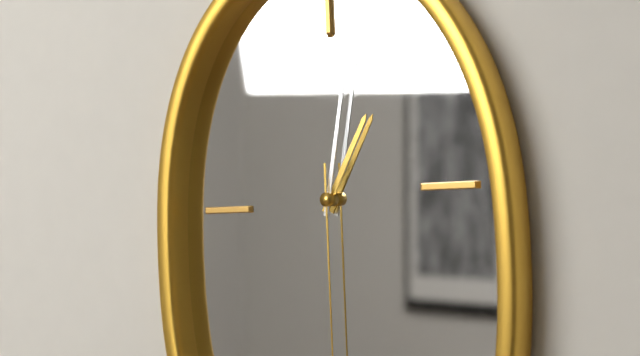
1:02
